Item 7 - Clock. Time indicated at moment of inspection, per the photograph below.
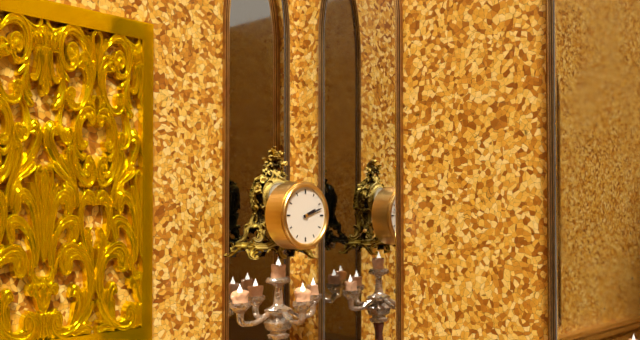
2:12
